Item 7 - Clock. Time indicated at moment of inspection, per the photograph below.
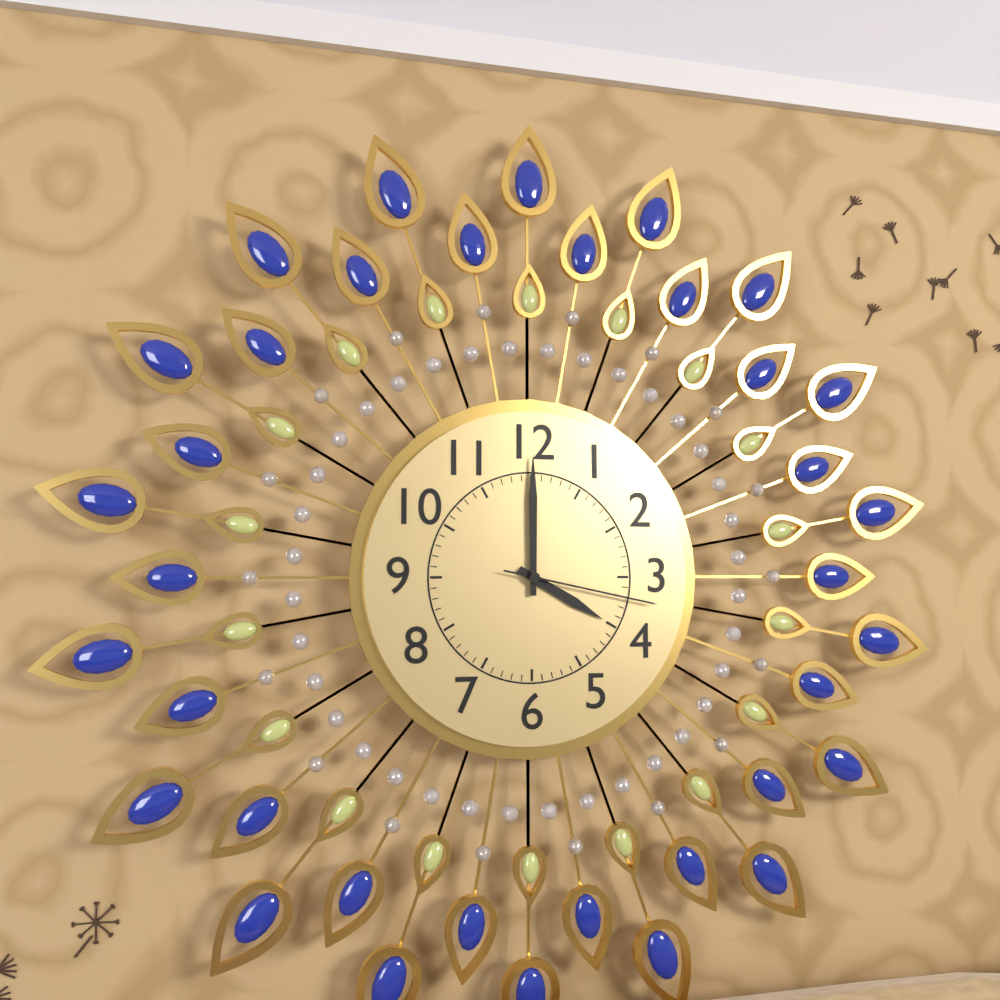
4:00:17
